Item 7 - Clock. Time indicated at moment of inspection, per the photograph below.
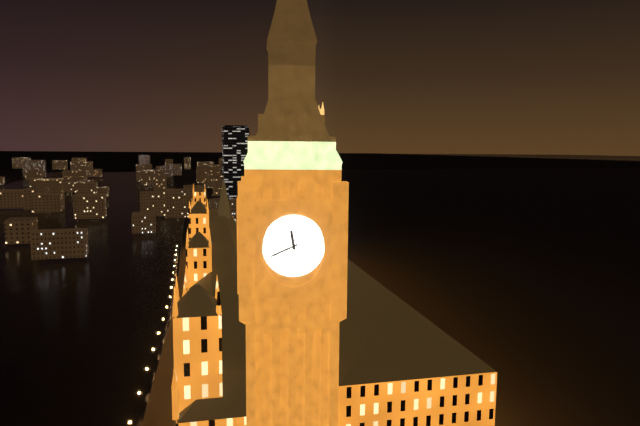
11:41
